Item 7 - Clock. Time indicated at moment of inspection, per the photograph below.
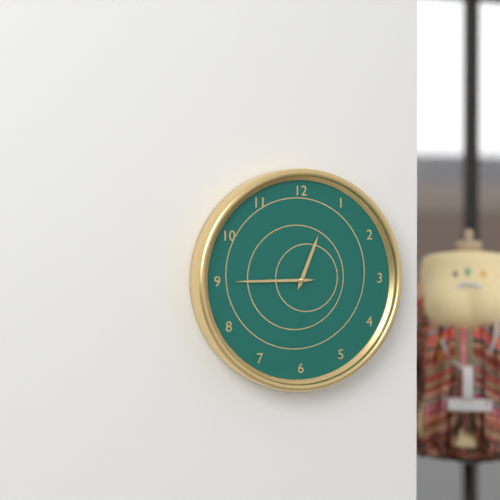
12:45
